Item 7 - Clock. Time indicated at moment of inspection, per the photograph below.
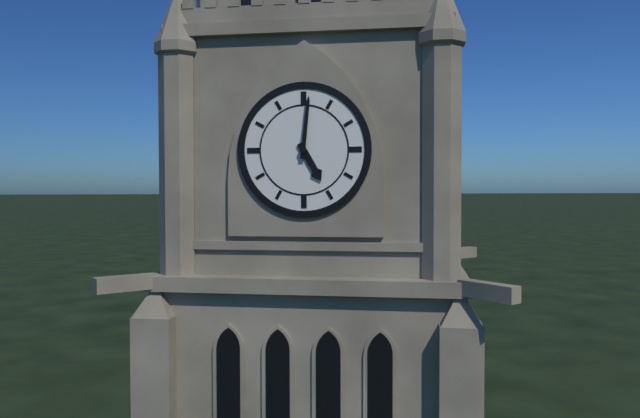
5:01
